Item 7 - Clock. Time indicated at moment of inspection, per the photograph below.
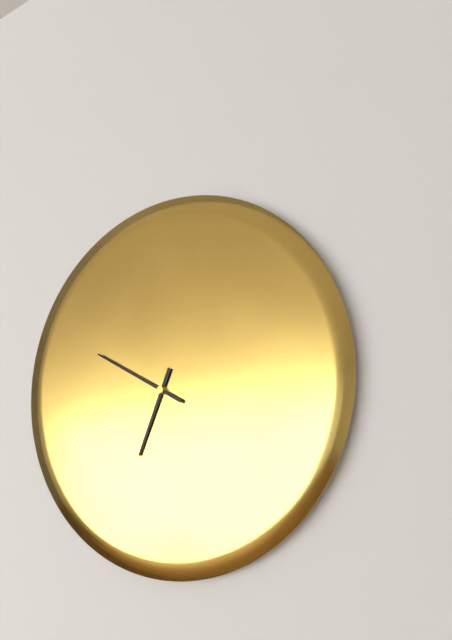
6:50
